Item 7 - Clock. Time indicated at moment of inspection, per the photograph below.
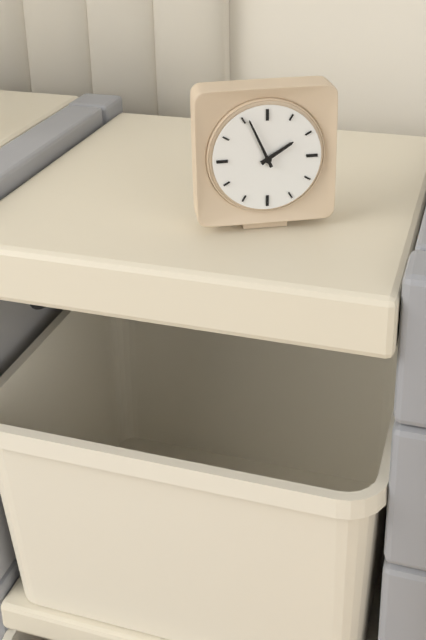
1:56
